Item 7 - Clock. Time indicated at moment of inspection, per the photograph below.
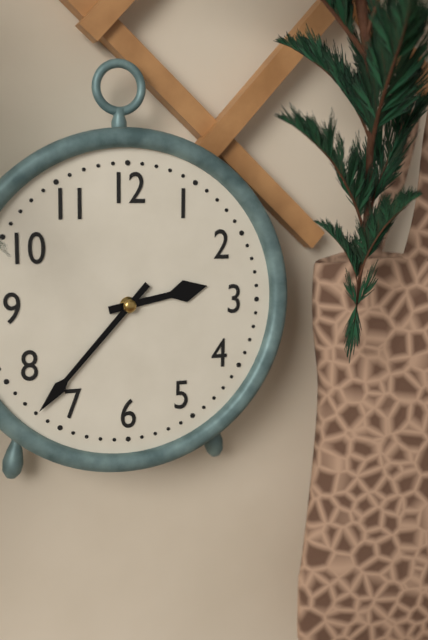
2:37
